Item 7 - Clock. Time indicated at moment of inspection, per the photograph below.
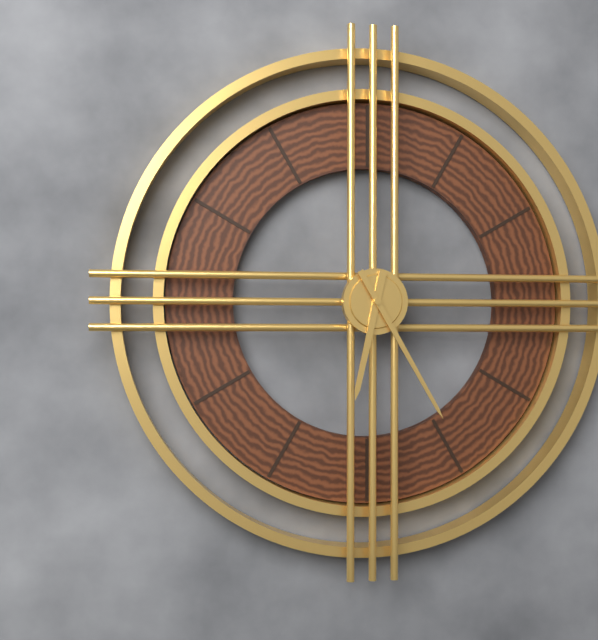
6:25
